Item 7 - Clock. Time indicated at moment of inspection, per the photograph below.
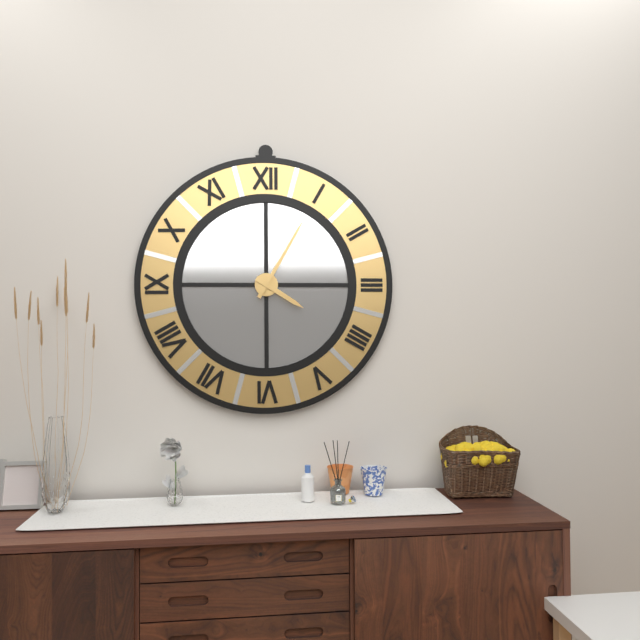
4:05
